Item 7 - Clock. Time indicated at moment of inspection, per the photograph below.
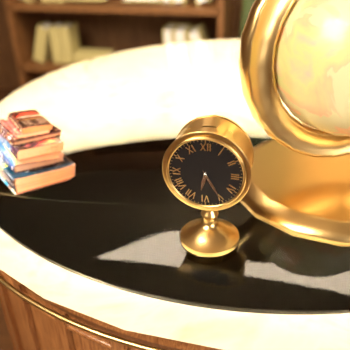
6:25
